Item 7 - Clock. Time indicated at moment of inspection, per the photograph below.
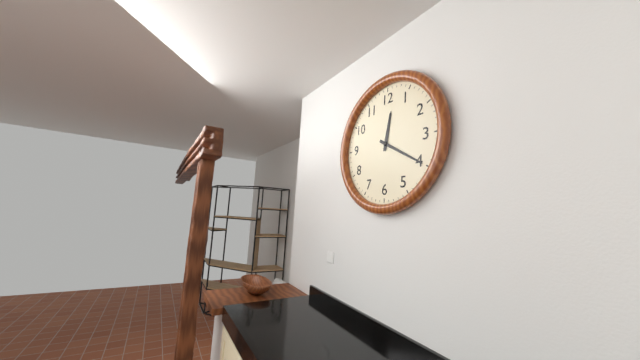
12:20
